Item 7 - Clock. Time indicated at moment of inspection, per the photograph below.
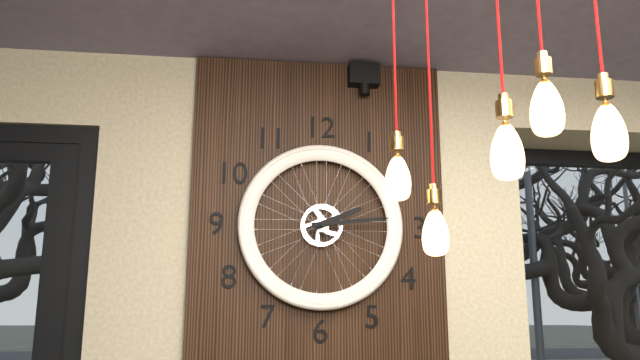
2:14
